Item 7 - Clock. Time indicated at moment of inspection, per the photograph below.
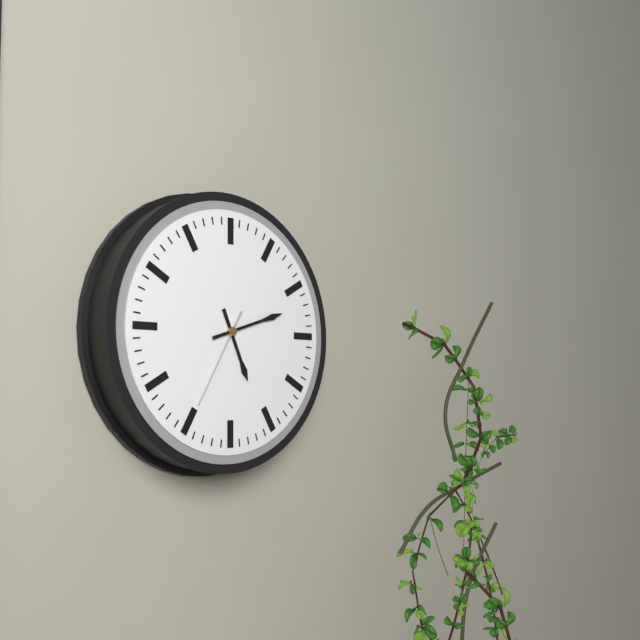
5:12:35
